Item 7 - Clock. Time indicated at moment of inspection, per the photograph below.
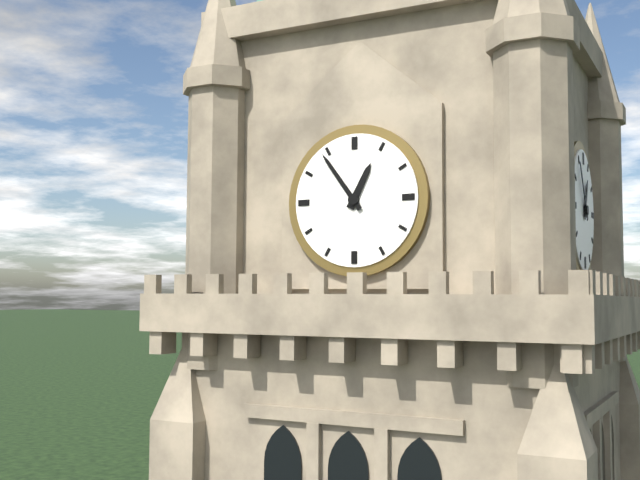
12:54
